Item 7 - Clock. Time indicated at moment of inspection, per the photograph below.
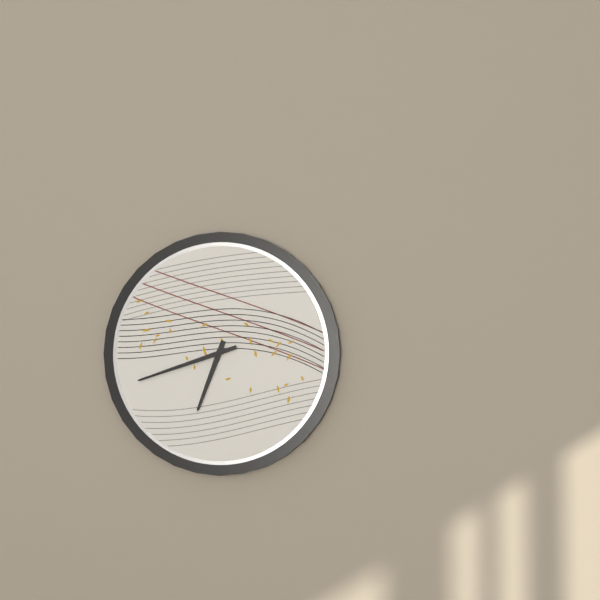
6:42
